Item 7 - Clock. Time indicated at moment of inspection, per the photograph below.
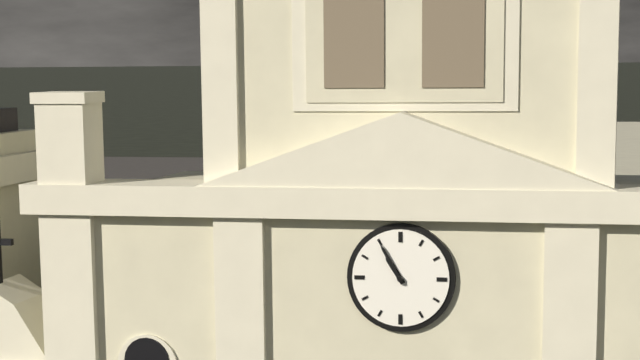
10:55
